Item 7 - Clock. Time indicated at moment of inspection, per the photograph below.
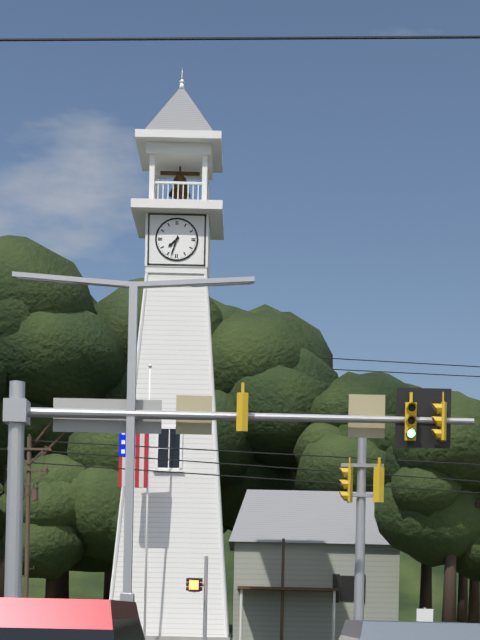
7:33
